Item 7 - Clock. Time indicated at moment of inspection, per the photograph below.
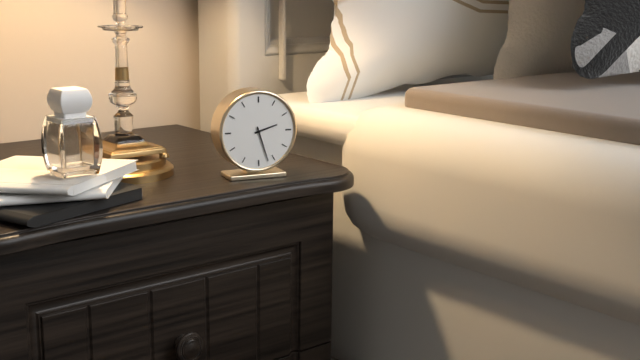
2:27
